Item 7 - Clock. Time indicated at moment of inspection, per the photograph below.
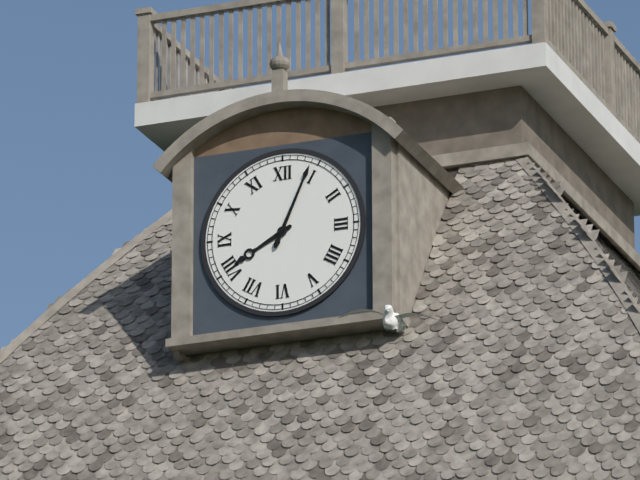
8:04
